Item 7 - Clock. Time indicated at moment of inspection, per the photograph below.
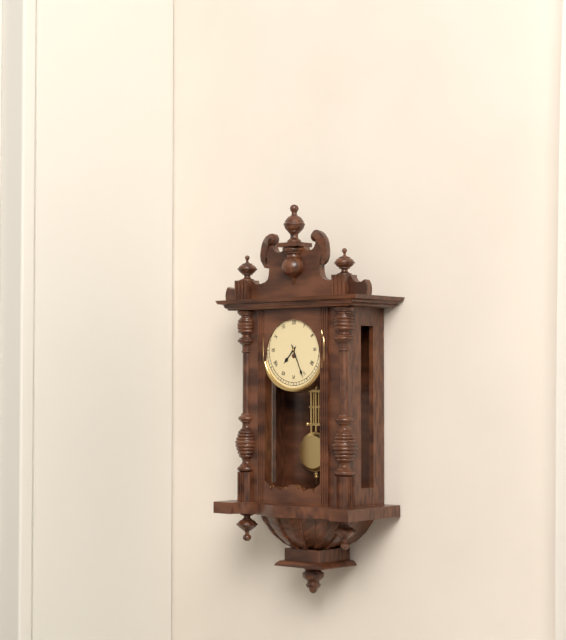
7:26
